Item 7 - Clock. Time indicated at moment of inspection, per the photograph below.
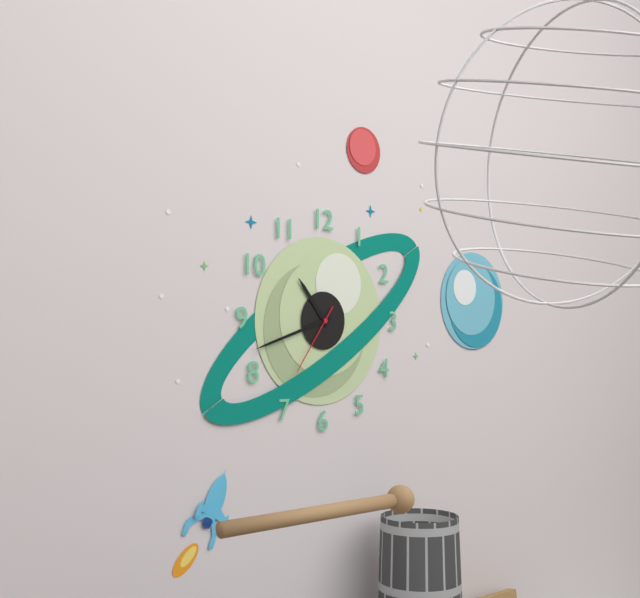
10:42:36
